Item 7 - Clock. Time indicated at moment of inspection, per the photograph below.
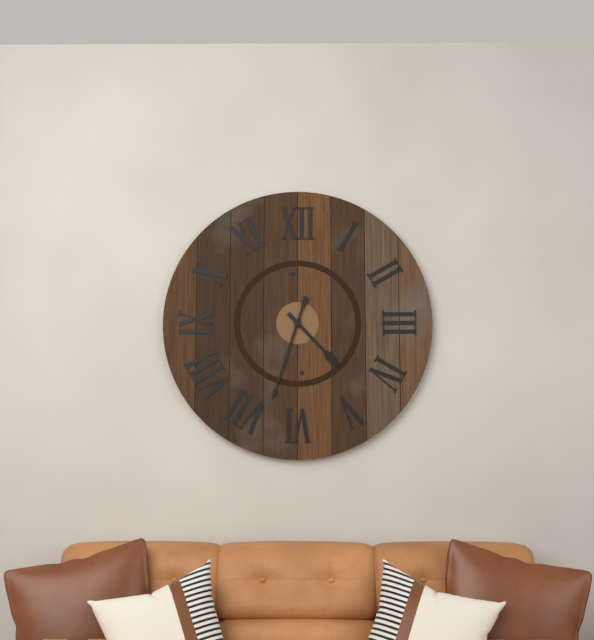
4:33
